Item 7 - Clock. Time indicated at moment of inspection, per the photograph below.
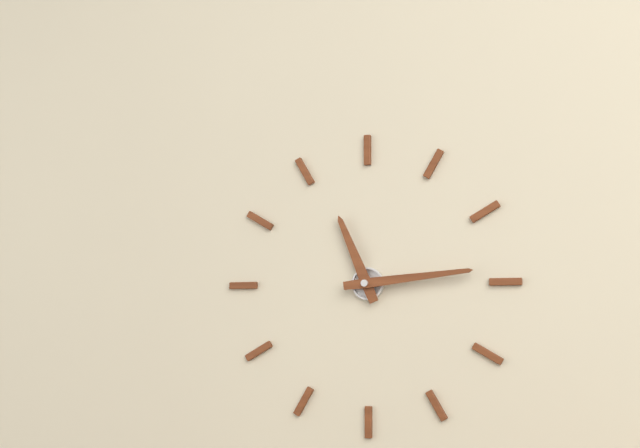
11:14
